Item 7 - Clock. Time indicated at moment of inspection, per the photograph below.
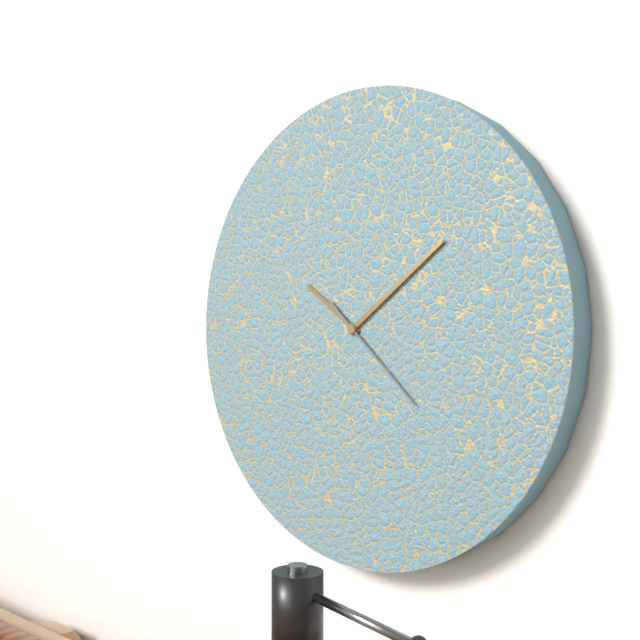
10:09:22
